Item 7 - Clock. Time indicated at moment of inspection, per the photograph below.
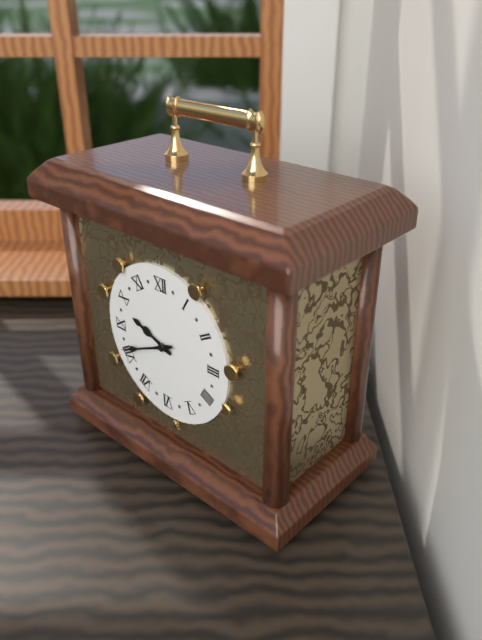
9:41
